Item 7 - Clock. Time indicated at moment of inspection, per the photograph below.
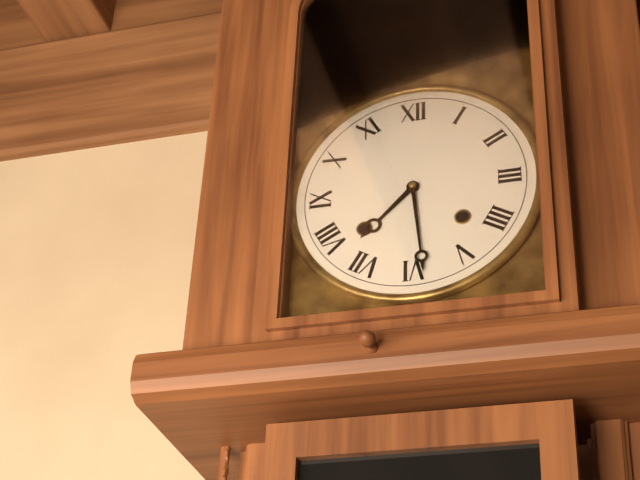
7:29
